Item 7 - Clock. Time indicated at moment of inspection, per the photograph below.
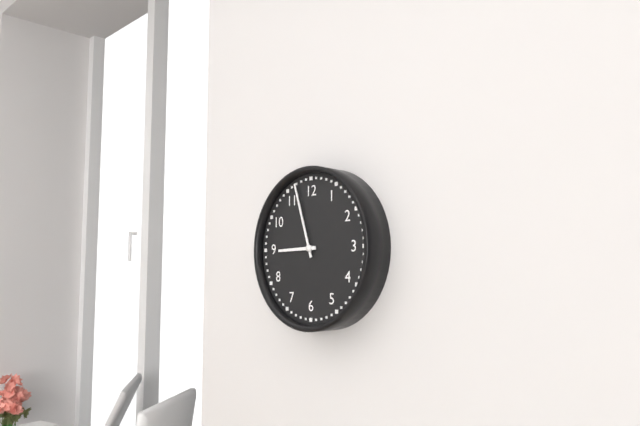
8:57
